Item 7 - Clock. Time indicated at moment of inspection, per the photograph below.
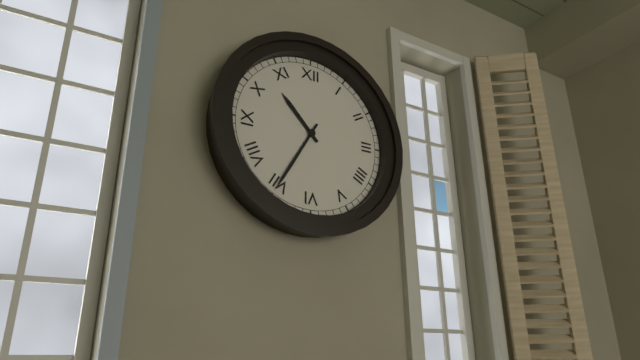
10:35
